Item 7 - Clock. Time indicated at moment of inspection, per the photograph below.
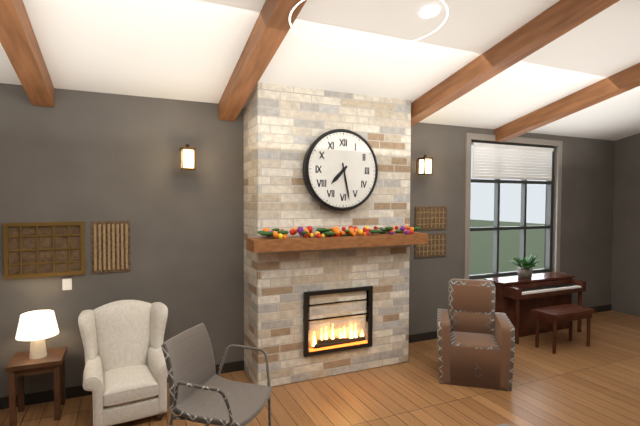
7:28
